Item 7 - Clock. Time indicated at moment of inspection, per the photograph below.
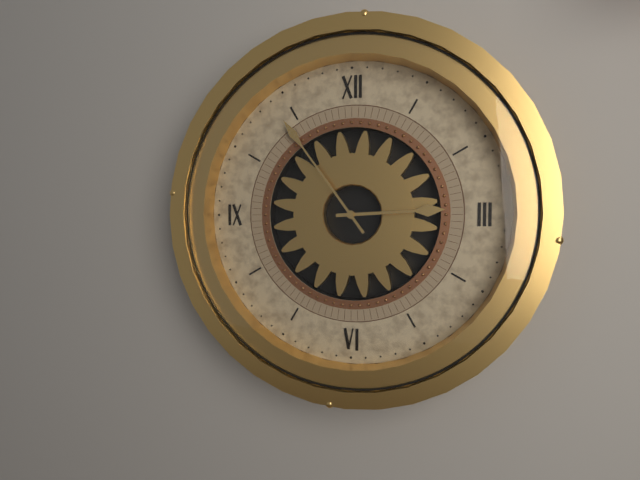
2:54
